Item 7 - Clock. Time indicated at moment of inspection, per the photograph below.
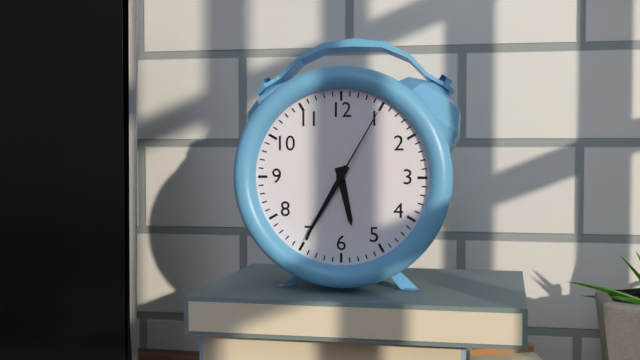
5:35:05
